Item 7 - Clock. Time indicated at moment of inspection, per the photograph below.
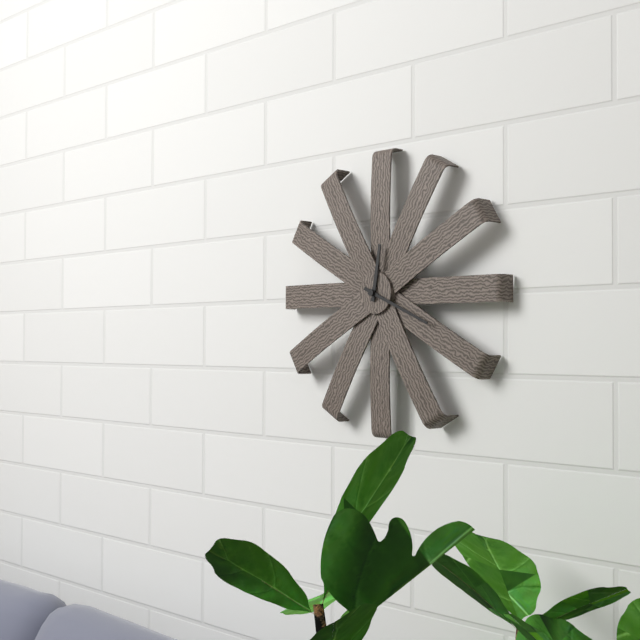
12:19
